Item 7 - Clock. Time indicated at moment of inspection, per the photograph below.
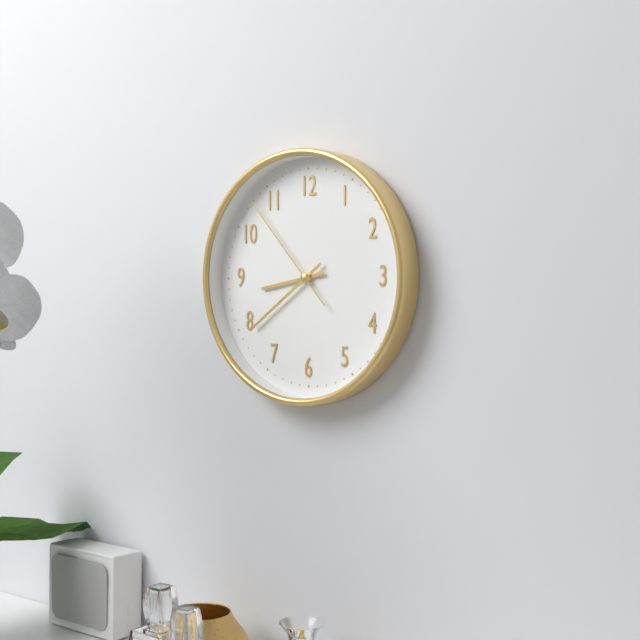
8:39:53
